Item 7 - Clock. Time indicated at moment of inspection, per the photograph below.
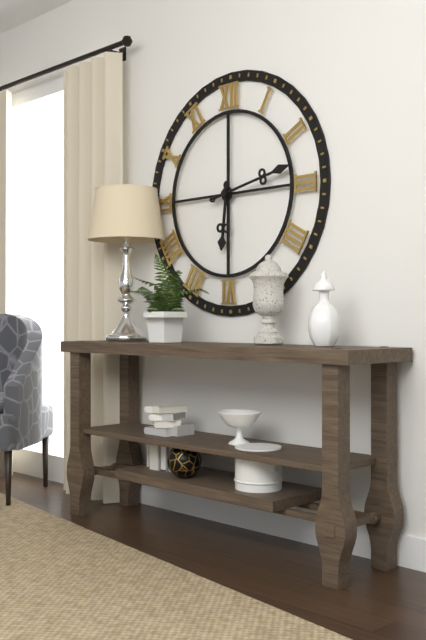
6:13
